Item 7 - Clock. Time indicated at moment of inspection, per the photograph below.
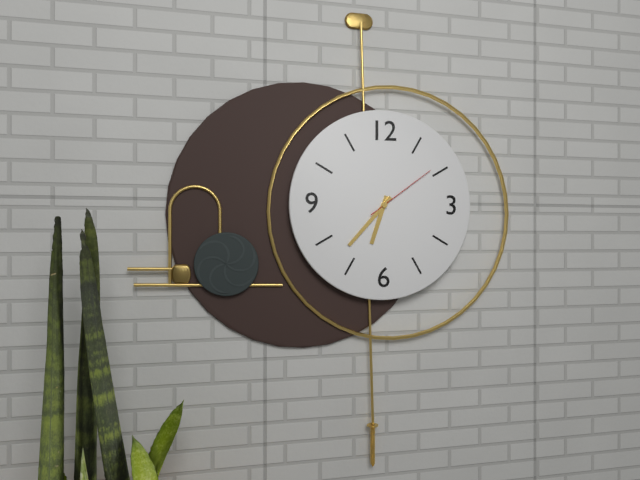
6:37:09
